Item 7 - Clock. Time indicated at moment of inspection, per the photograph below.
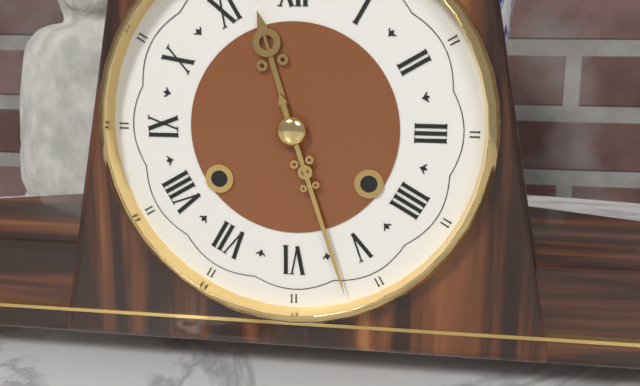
11:27
